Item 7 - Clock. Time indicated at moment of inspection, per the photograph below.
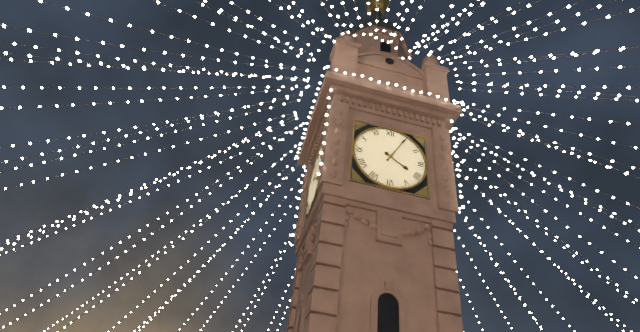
4:05
